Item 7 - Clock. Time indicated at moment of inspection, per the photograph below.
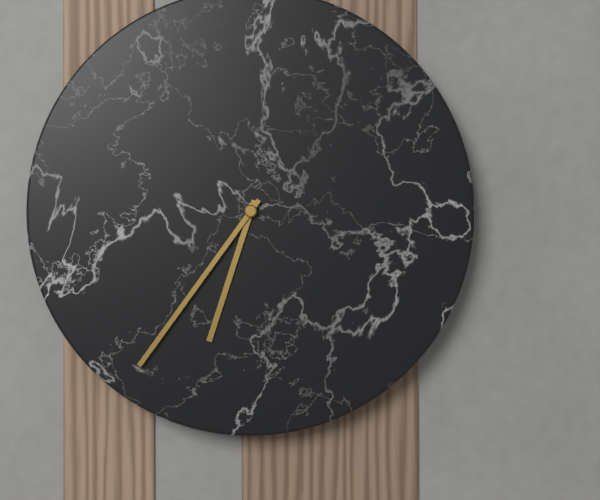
6:36
